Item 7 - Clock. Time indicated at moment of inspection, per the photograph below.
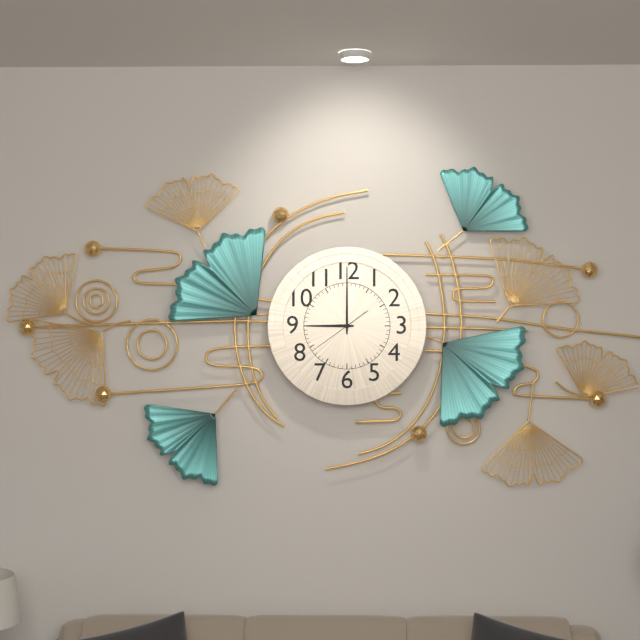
9:00:39
